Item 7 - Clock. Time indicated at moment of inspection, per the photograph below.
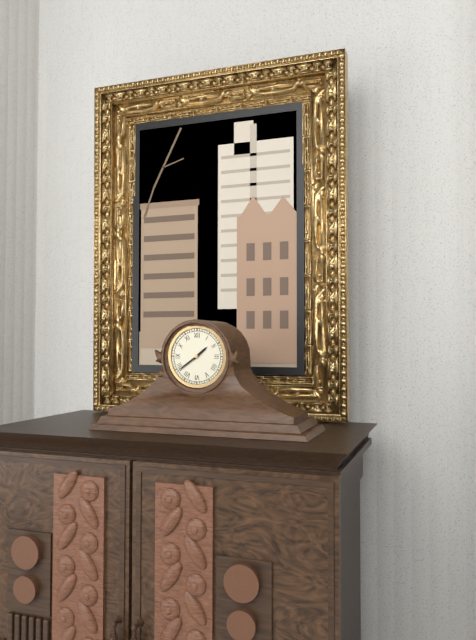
1:39
